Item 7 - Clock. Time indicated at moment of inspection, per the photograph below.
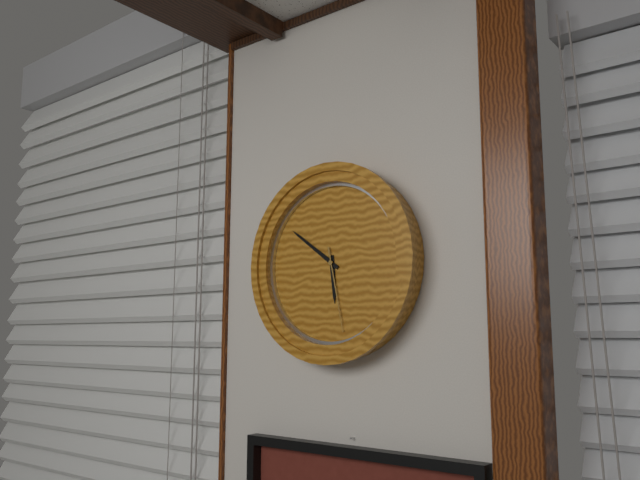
5:51:28
